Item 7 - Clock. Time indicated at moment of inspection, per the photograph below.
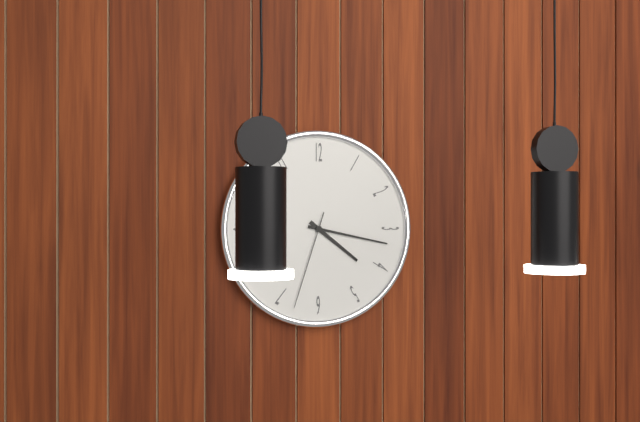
4:17:33
